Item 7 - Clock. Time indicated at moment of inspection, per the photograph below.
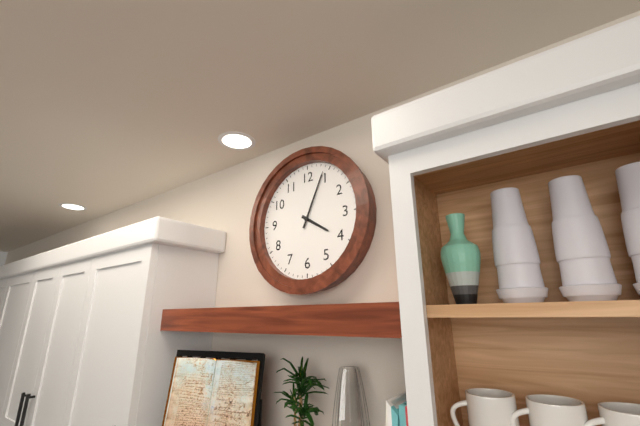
4:04
